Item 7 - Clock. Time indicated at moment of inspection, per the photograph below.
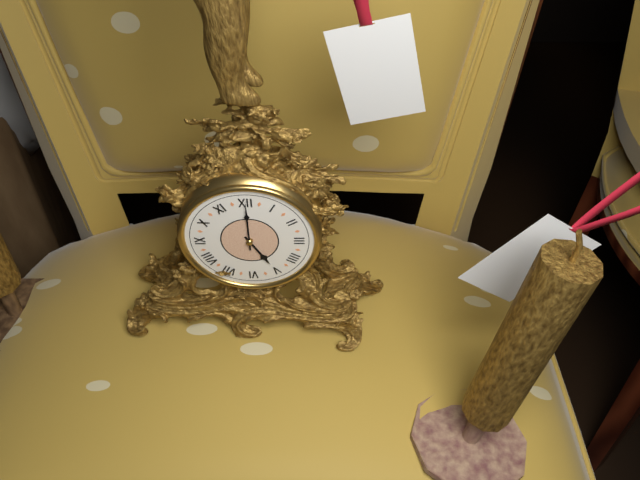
5:00
